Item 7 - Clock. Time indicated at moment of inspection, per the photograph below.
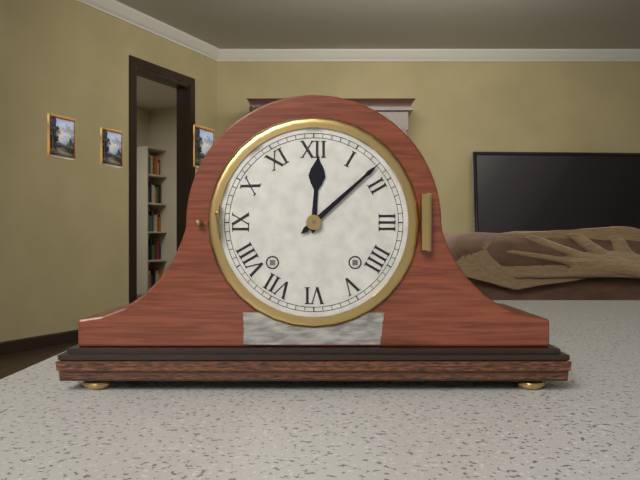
12:08
